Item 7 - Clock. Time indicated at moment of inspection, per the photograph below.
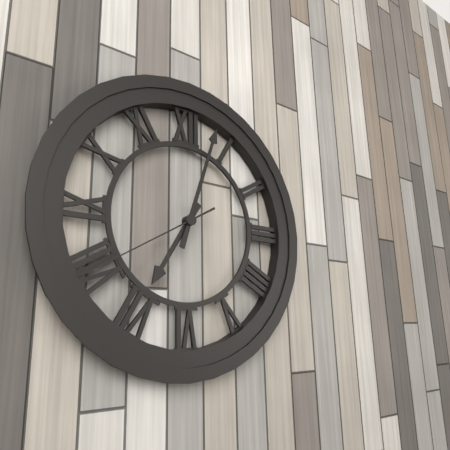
7:03:40
